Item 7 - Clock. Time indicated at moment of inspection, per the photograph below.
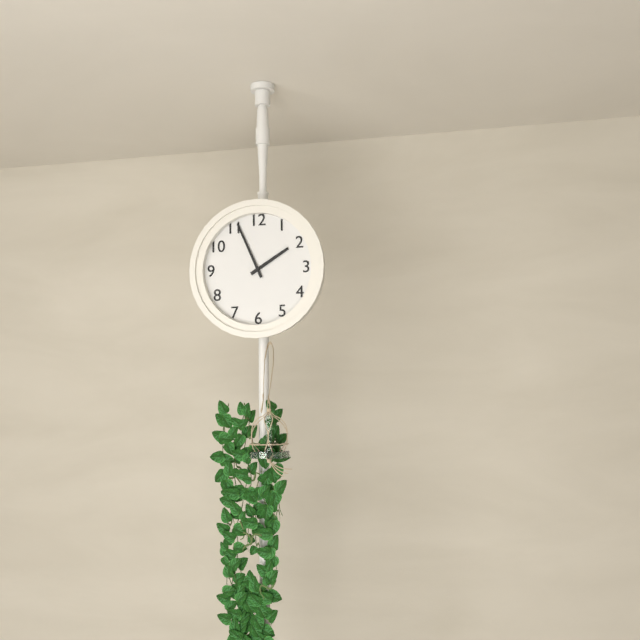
1:56
